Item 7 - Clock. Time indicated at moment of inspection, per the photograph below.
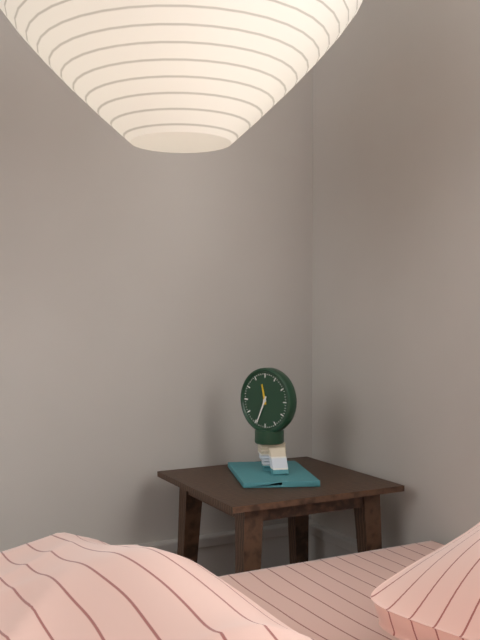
11:34
